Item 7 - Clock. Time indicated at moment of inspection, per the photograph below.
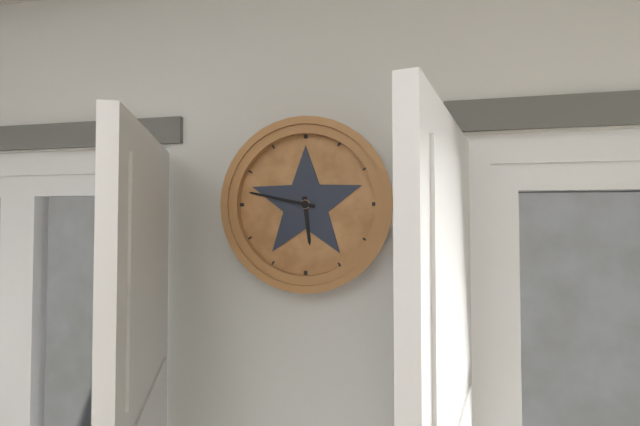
5:47
